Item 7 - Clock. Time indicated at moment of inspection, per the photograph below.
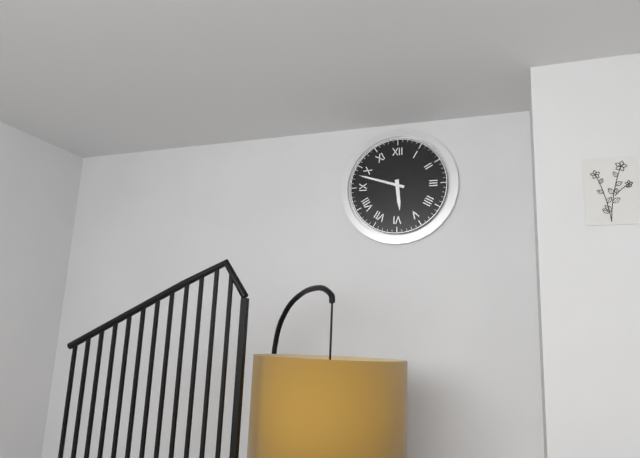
5:48
